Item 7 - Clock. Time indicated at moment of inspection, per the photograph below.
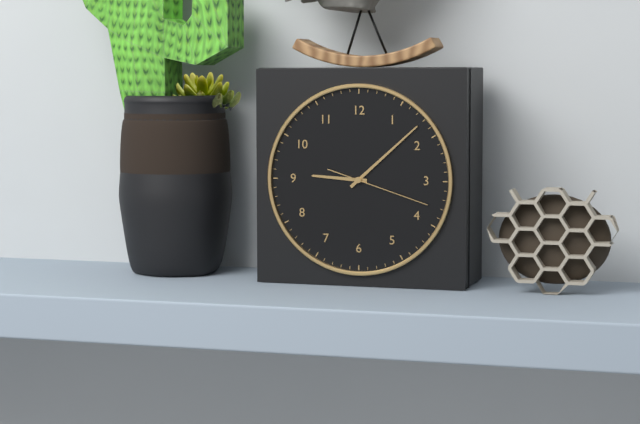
9:08:18
